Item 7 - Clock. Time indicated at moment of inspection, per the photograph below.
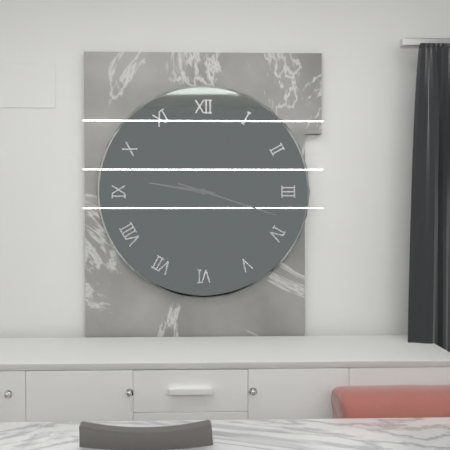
9:18
